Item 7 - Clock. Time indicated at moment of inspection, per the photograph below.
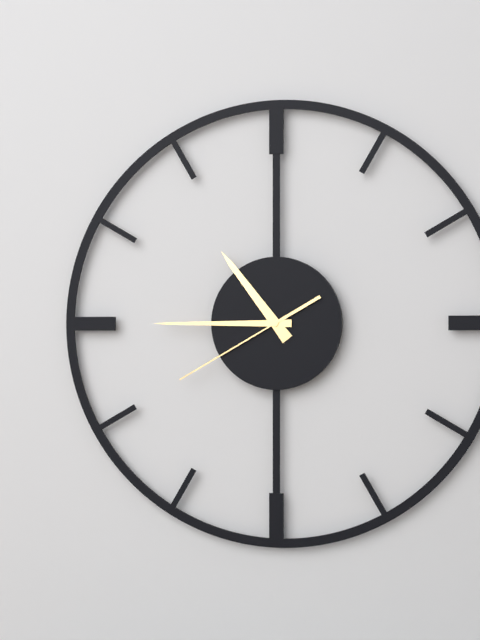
10:45:40
